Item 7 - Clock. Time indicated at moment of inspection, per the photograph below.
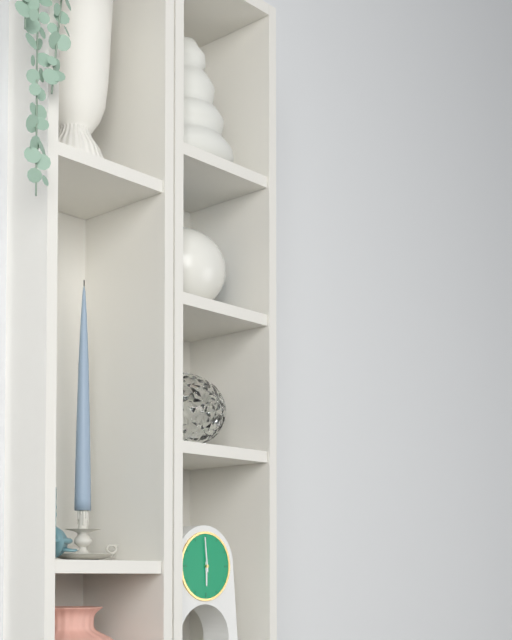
5:59
